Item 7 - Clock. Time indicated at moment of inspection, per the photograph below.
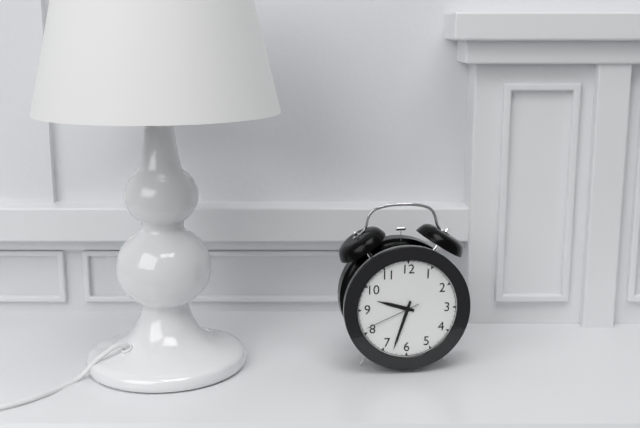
9:33:41
